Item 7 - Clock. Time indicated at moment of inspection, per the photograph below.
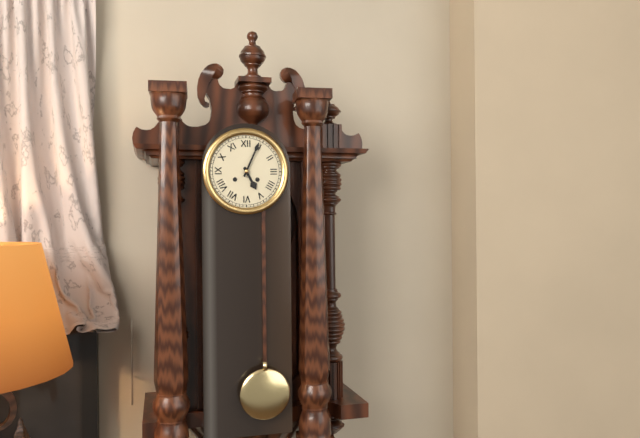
5:04
